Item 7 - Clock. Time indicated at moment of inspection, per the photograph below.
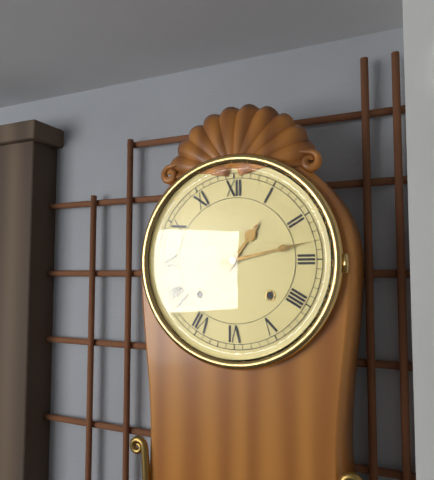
1:13
